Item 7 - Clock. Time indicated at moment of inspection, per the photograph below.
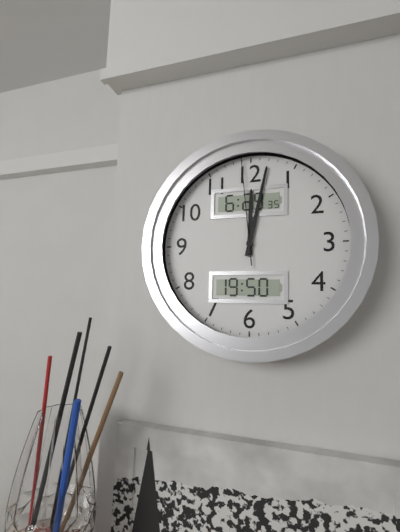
12:02:59
